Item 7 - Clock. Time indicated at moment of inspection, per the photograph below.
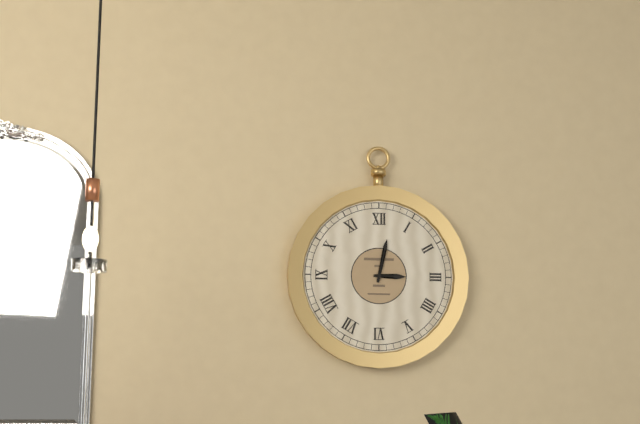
3:02
